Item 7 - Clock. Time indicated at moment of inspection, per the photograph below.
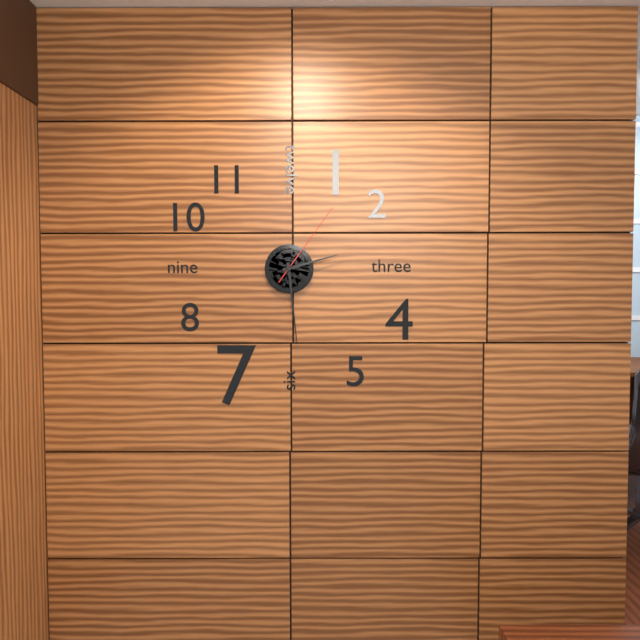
2:29:06
